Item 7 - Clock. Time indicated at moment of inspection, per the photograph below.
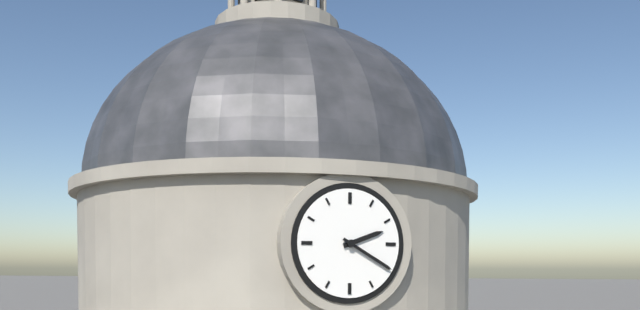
2:20
